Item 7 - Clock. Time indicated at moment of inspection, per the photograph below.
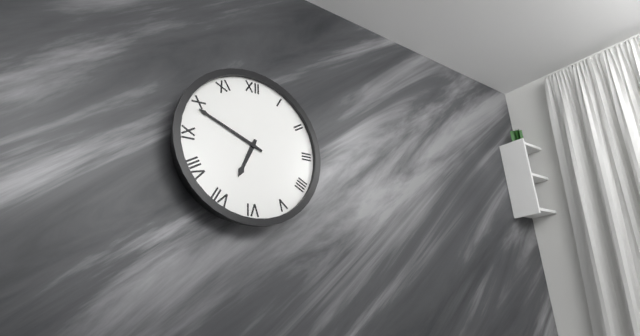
6:49
